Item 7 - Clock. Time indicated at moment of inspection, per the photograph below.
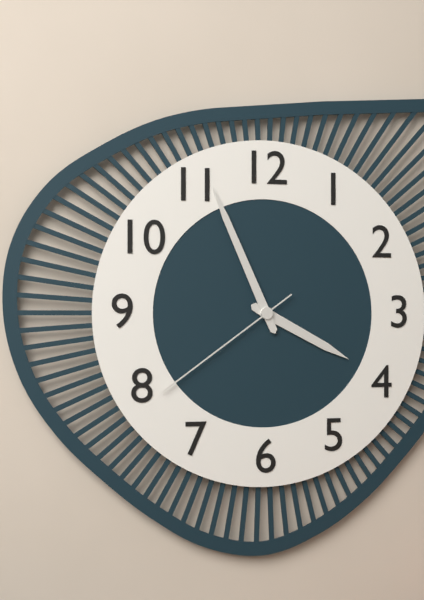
3:56:39
